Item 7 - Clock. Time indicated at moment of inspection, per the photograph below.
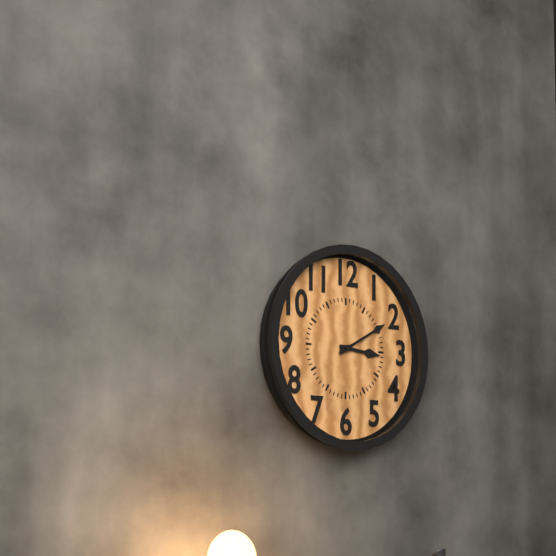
3:10
